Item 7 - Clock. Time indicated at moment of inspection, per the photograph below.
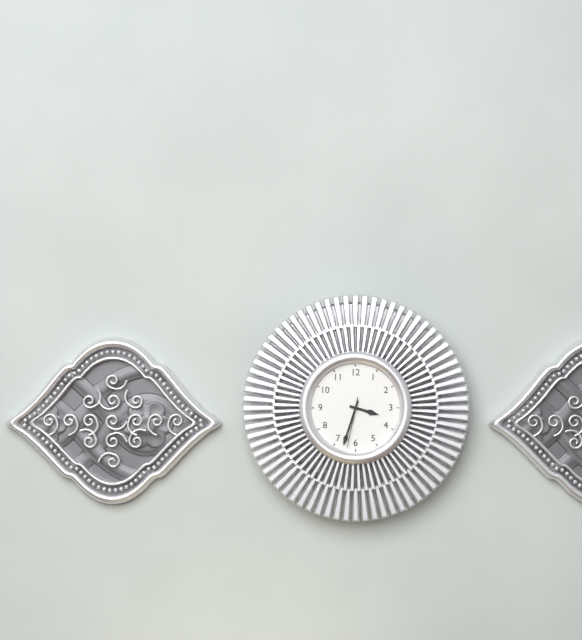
3:33:32
